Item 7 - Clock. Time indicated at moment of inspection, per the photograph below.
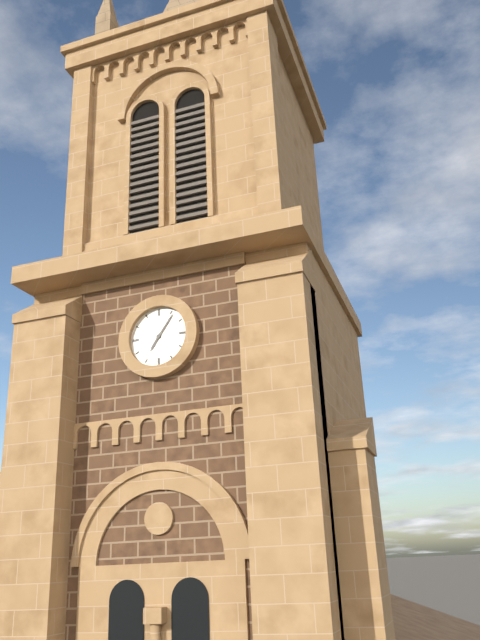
7:06
